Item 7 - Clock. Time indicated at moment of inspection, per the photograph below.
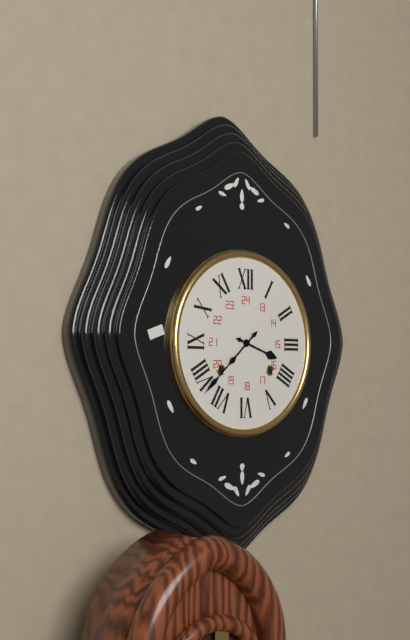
3:38
